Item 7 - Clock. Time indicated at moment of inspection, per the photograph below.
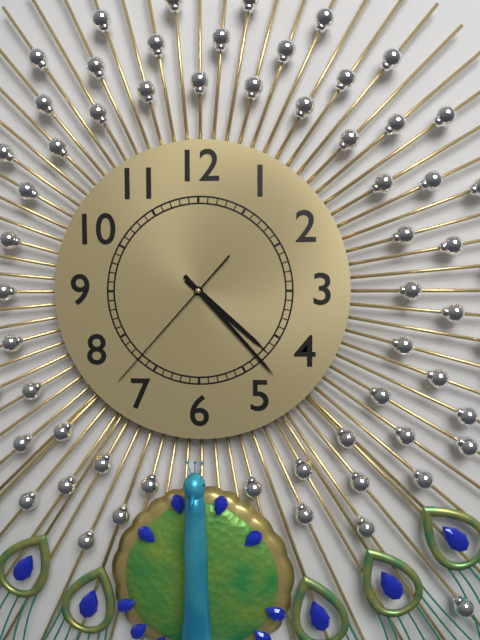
4:23:37
